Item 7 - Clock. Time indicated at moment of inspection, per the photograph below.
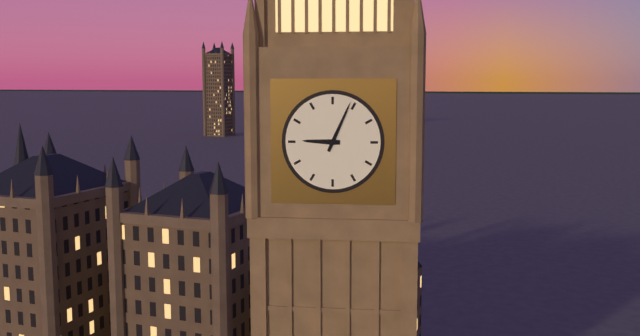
9:04
